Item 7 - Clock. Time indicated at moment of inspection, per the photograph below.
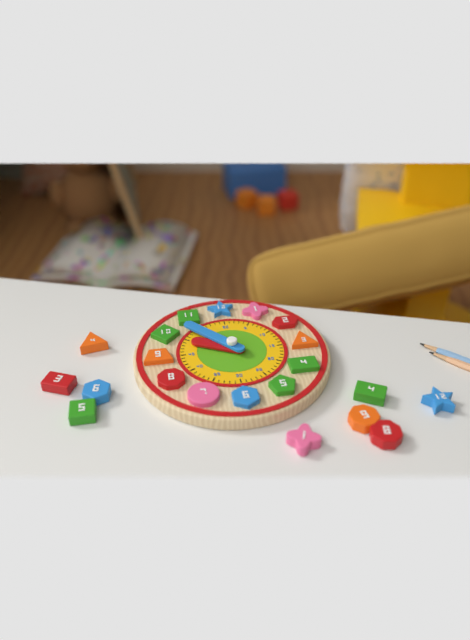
9:53
